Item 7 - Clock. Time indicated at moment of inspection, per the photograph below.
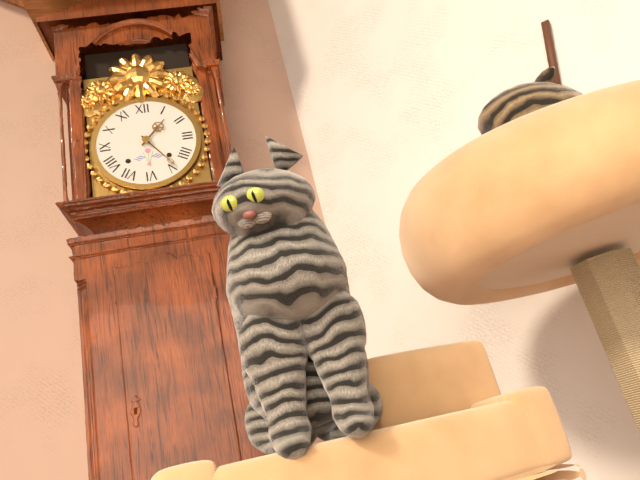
1:24
